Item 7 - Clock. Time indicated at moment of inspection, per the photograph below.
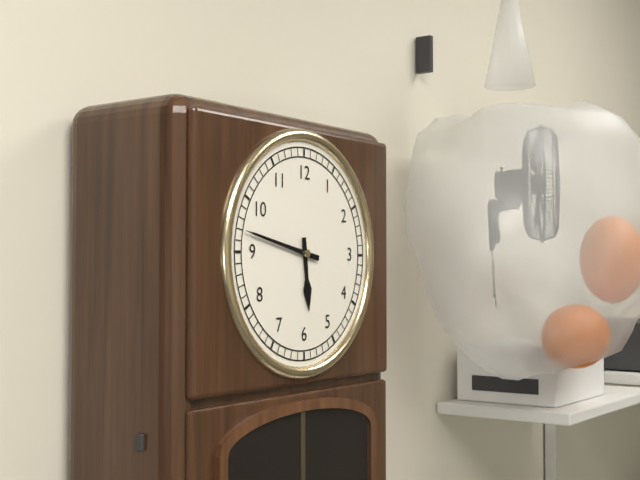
5:47
